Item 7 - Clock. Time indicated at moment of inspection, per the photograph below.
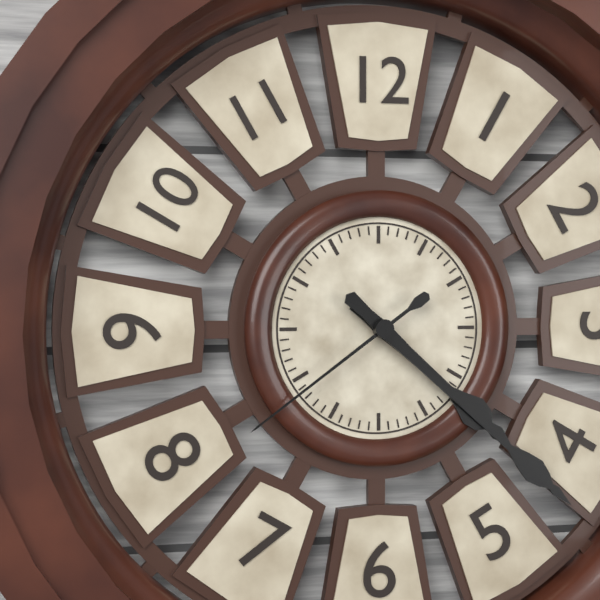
4:22:39
